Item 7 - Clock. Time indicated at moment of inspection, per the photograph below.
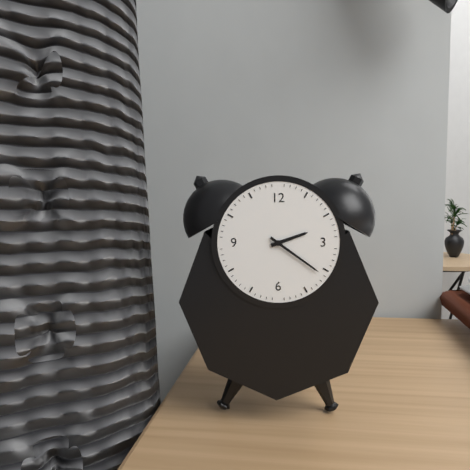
2:21
